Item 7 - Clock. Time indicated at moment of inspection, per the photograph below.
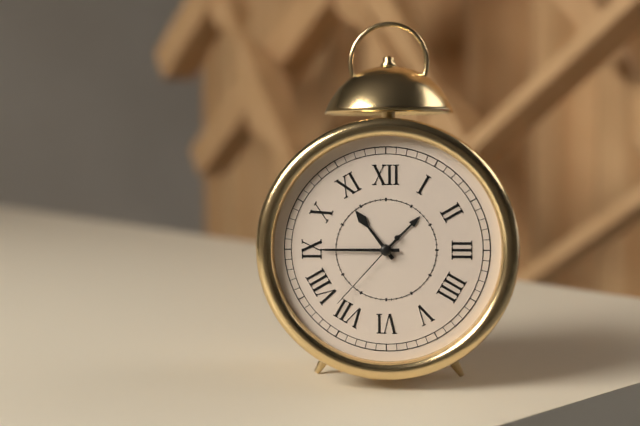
10:45:37
